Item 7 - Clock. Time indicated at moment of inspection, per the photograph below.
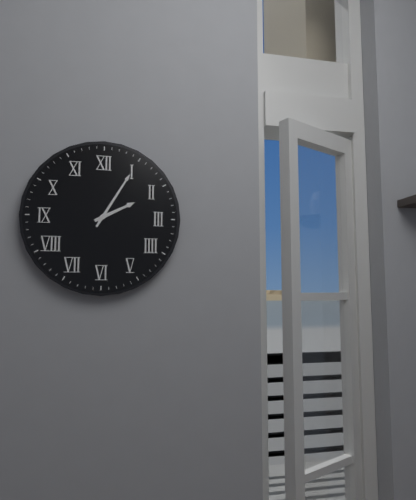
2:05
